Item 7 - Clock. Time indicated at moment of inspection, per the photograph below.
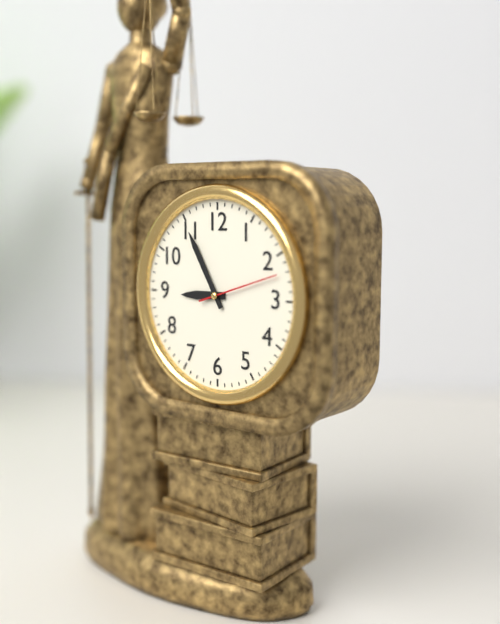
8:55:12
